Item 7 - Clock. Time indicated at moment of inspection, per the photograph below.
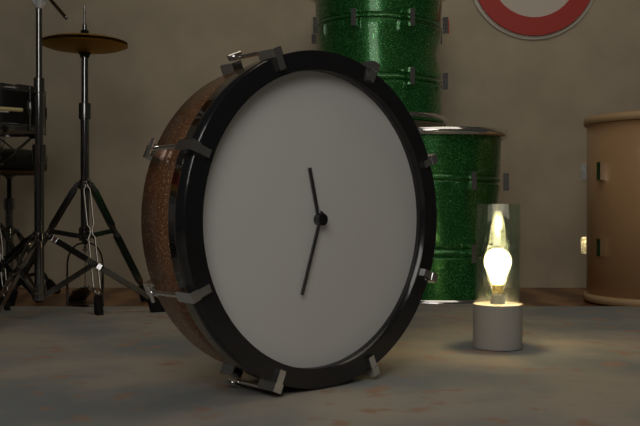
11:33
